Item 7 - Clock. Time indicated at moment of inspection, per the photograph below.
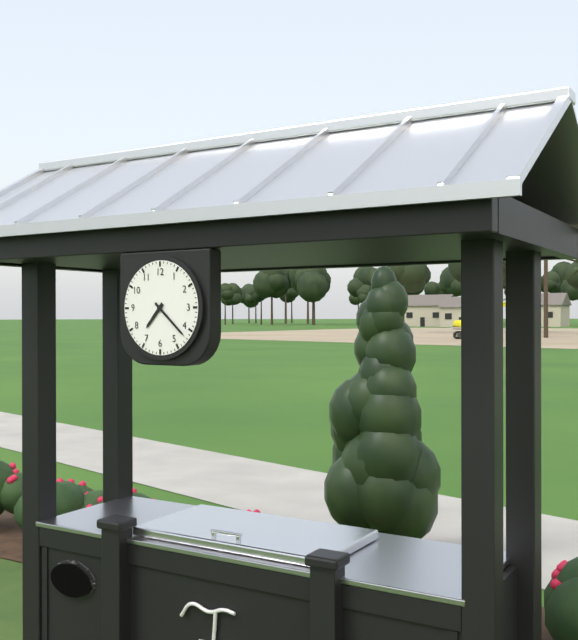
7:22
